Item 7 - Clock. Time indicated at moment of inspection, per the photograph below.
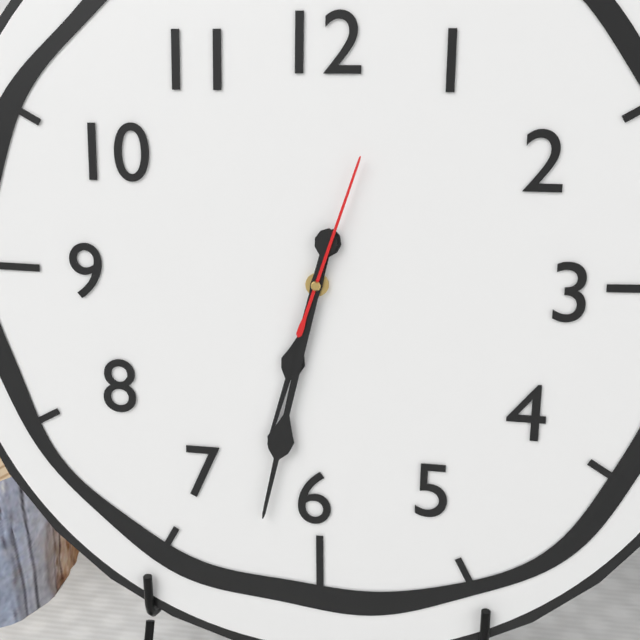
6:32:03
